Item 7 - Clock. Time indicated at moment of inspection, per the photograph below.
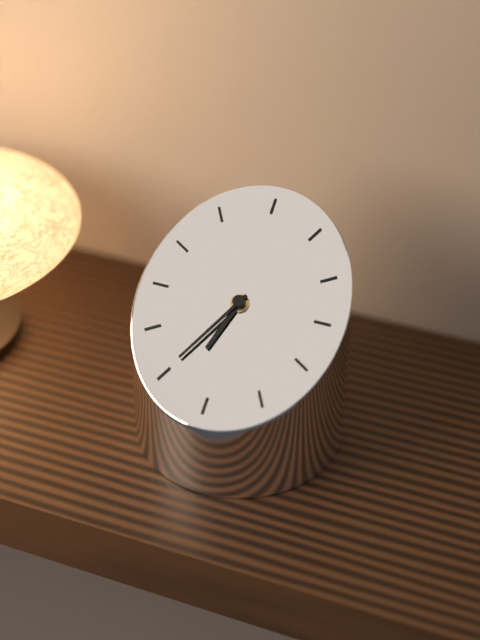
6:35
